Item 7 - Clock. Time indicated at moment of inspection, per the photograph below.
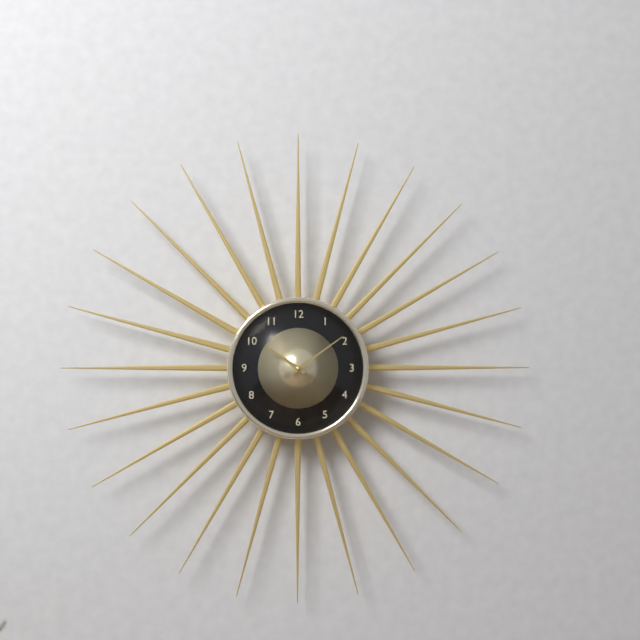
10:09
